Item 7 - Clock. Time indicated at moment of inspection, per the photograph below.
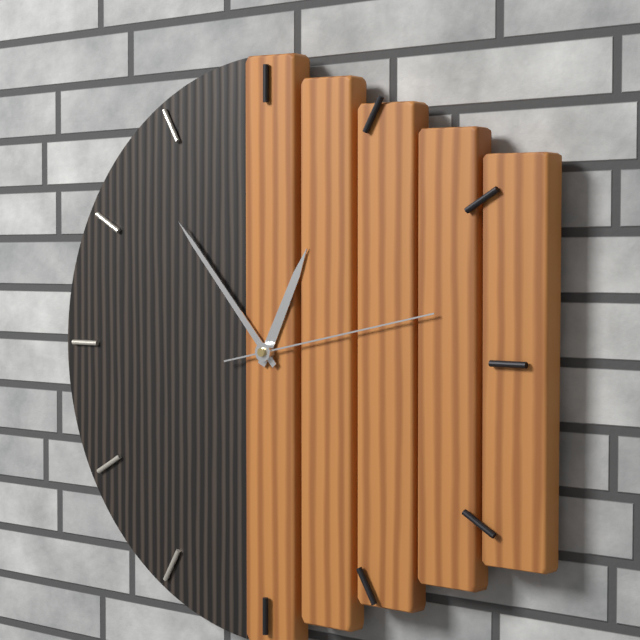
12:53:13
